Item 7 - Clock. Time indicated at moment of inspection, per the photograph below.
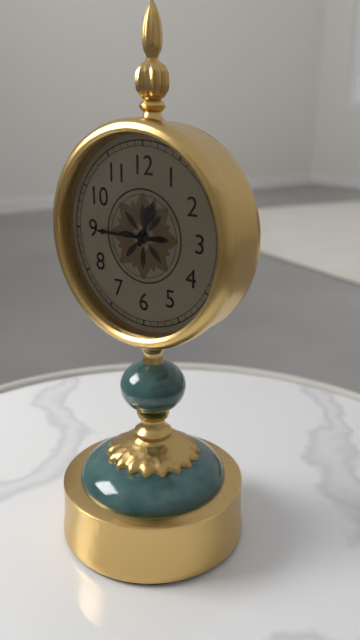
12:45
